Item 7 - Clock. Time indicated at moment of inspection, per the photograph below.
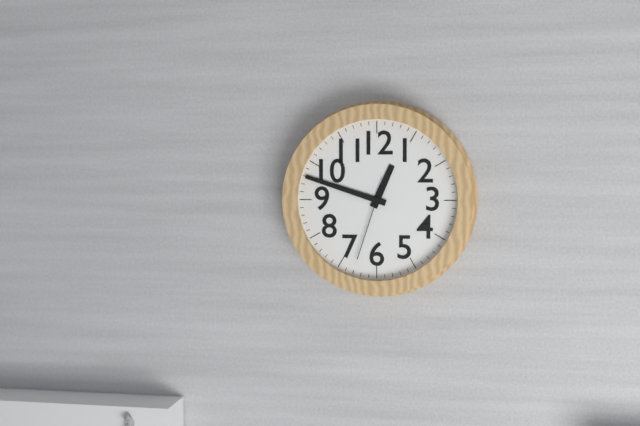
12:48:33
